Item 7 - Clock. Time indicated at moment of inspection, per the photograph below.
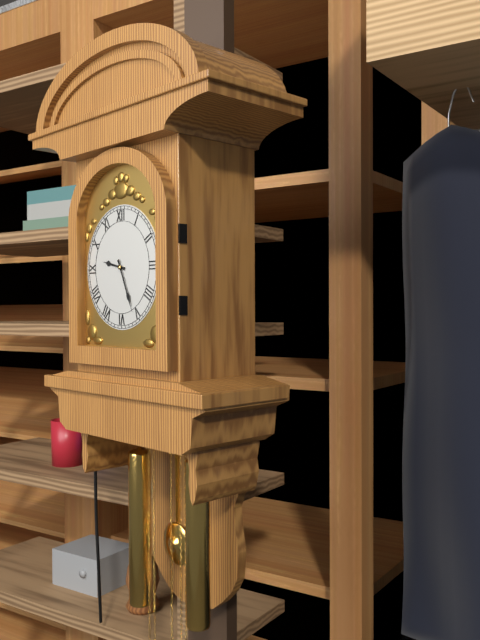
9:26
